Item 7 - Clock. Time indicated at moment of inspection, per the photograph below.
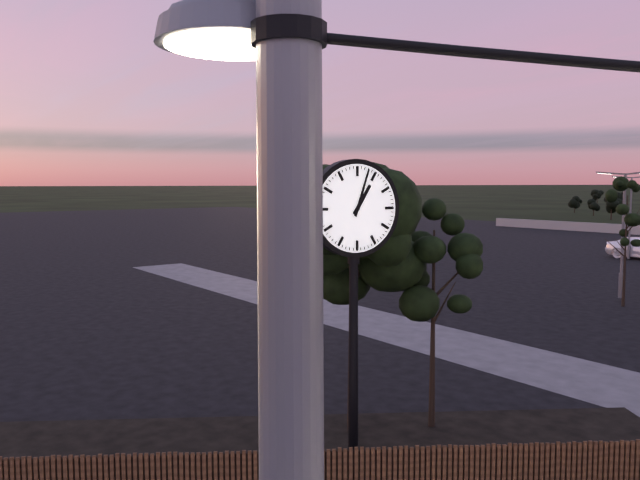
1:03
